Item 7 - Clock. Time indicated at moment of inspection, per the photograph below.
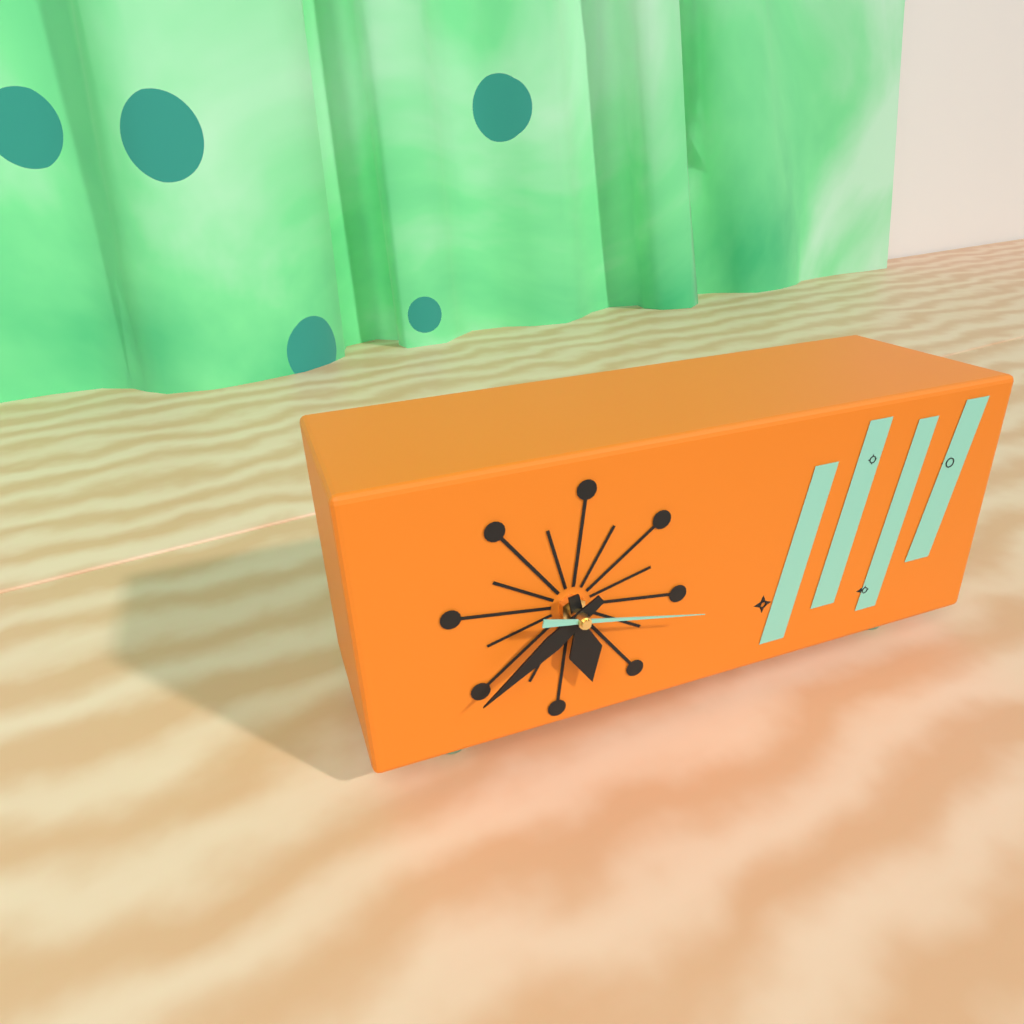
5:39:17
